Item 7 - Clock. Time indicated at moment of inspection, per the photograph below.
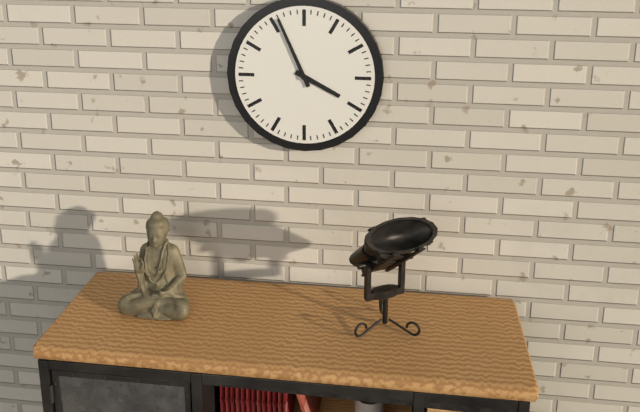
3:56
